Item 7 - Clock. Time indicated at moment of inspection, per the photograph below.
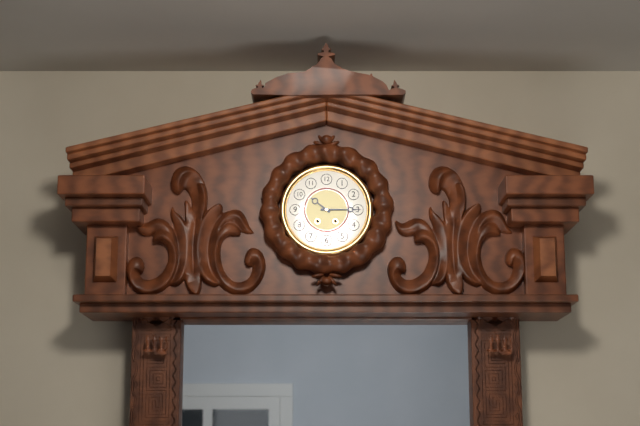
10:15
